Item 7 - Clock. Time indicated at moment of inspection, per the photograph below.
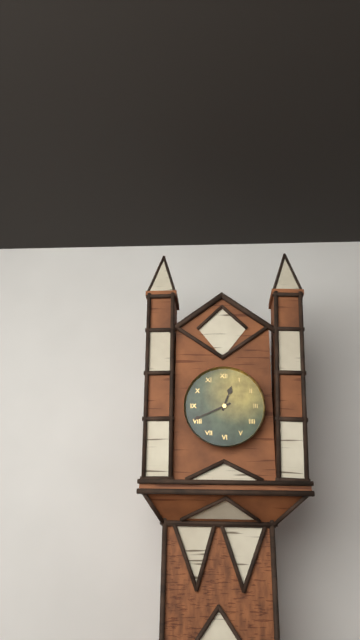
12:41
